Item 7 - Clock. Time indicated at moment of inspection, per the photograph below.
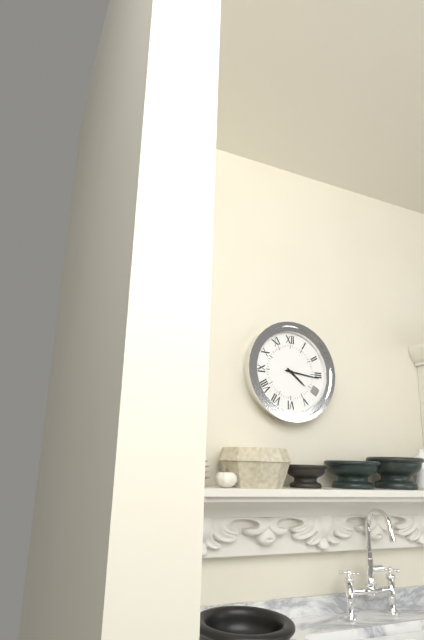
4:16
